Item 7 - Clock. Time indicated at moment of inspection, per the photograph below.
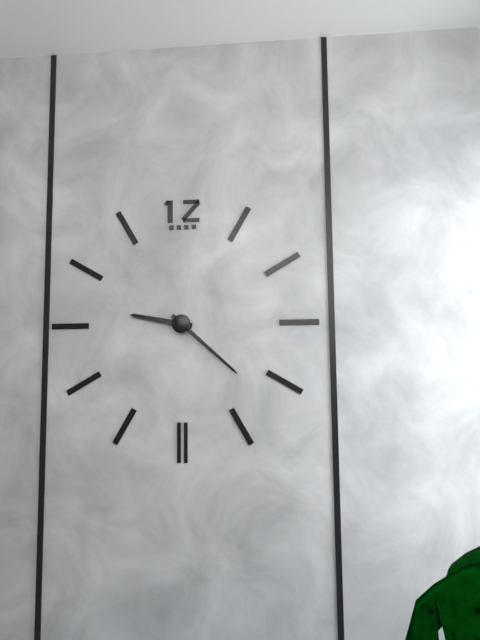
9:22
